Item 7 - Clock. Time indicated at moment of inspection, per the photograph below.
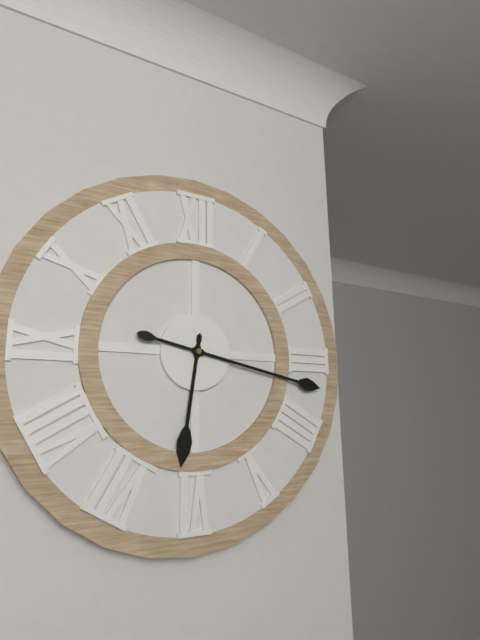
6:17
